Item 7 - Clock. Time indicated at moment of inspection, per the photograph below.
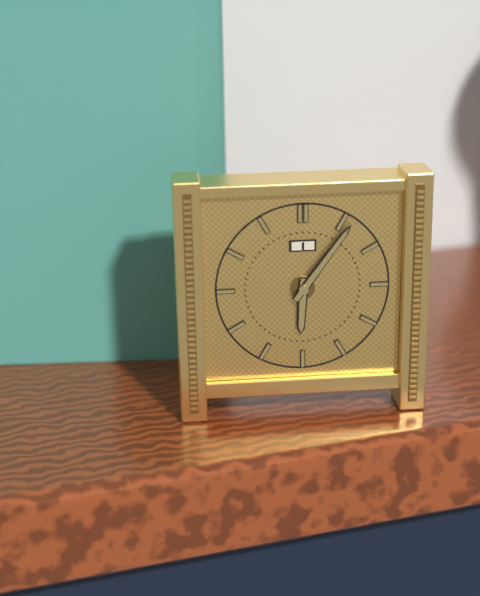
6:06
